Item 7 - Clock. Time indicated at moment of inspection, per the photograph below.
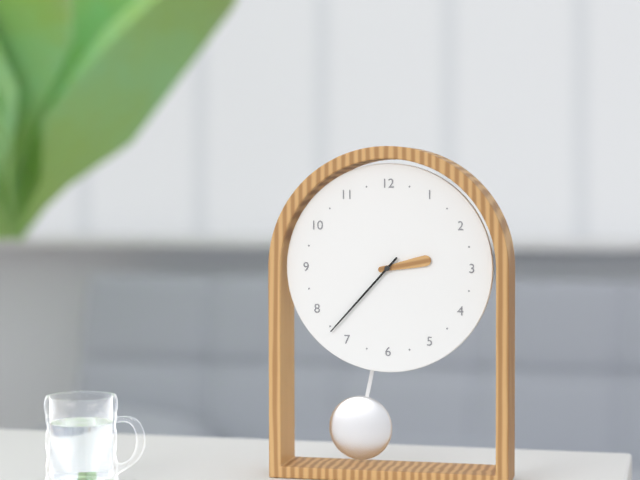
2:37
